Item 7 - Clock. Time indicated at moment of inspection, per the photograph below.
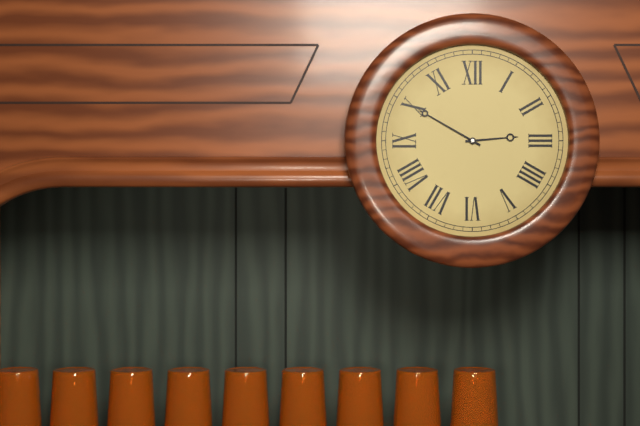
2:50
